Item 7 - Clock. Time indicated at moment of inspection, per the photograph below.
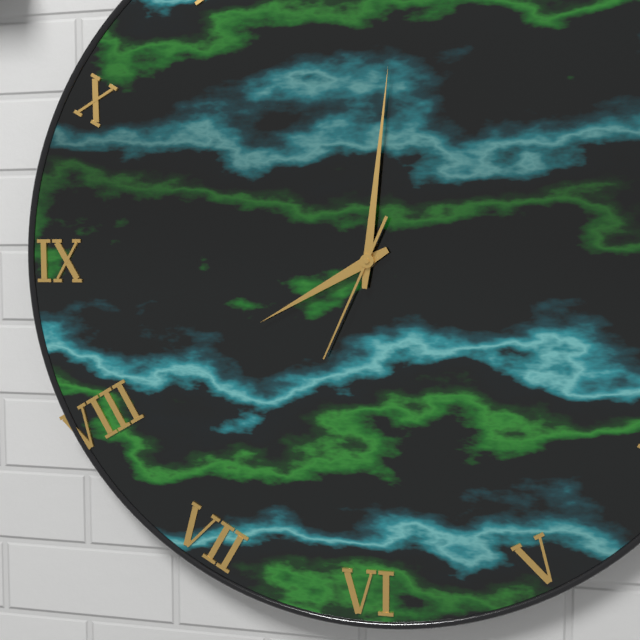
8:01:34
